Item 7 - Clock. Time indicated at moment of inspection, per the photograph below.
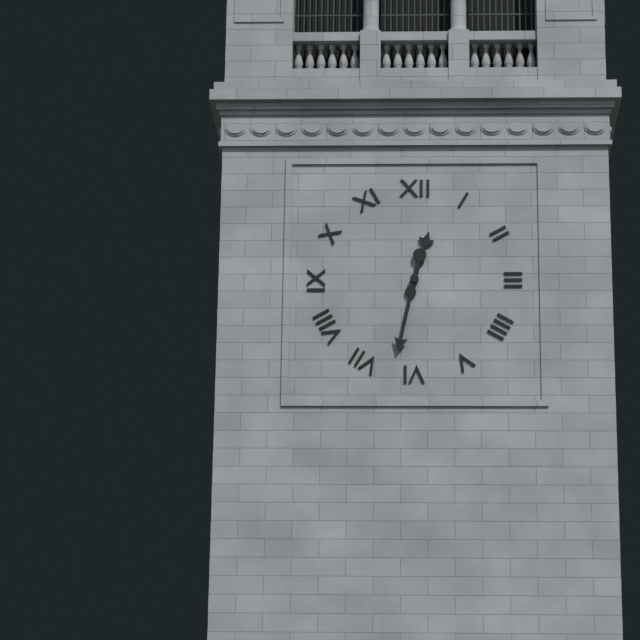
12:32
